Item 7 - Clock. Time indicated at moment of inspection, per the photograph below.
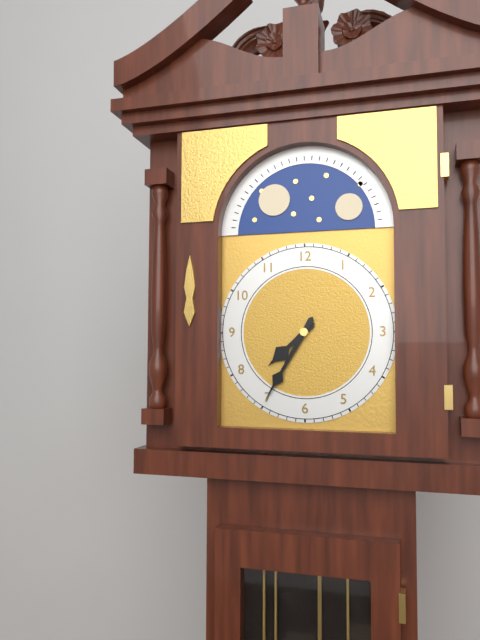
7:35
